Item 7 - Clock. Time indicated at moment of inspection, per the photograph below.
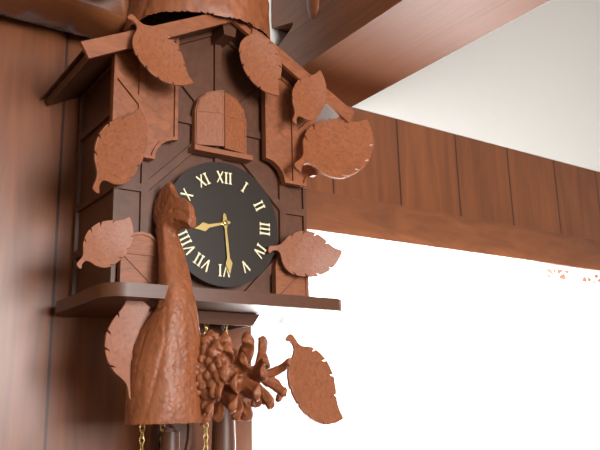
8:29
